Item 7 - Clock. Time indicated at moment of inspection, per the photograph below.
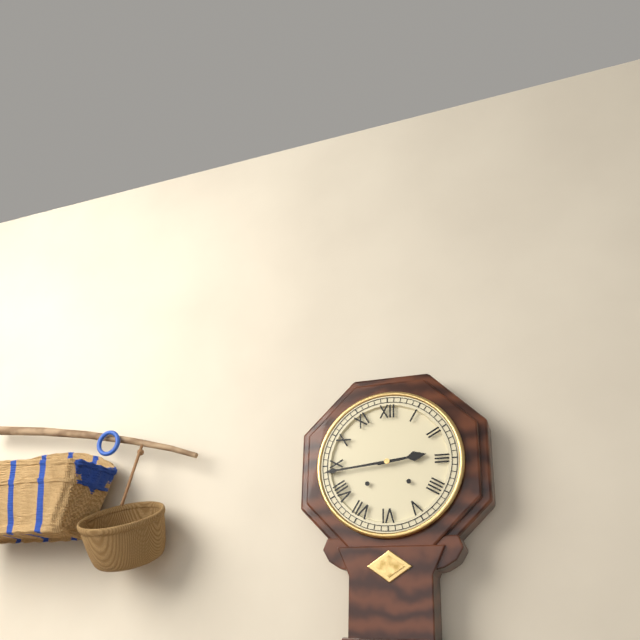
2:44
